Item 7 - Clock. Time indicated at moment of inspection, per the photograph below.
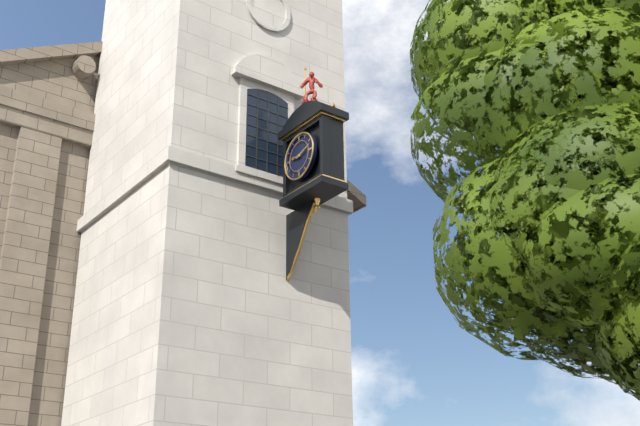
9:12
